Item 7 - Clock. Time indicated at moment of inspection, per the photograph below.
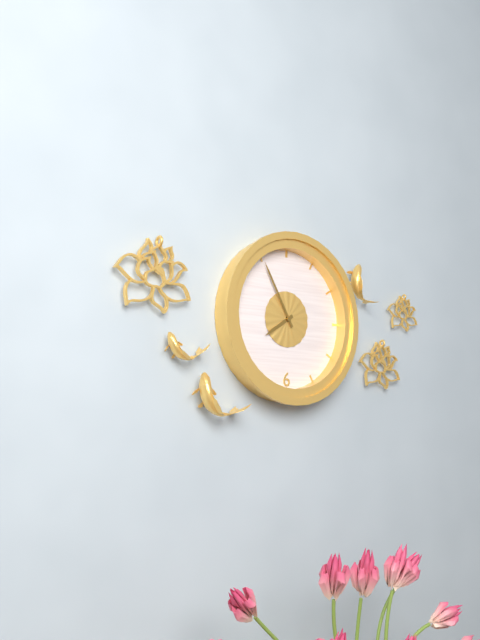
7:55
